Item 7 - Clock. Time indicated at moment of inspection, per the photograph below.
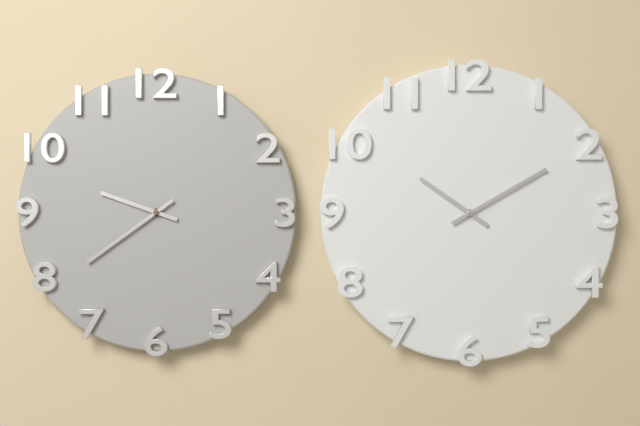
9:39
